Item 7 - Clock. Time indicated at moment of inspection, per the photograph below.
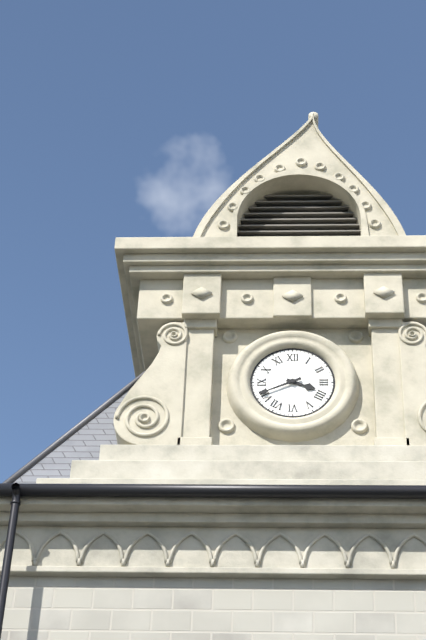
3:41
